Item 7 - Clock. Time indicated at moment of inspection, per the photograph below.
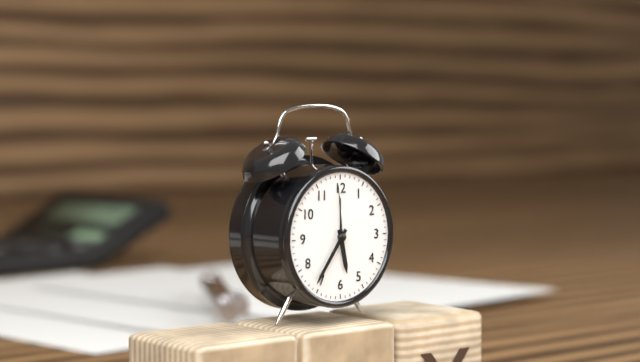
5:36:59
